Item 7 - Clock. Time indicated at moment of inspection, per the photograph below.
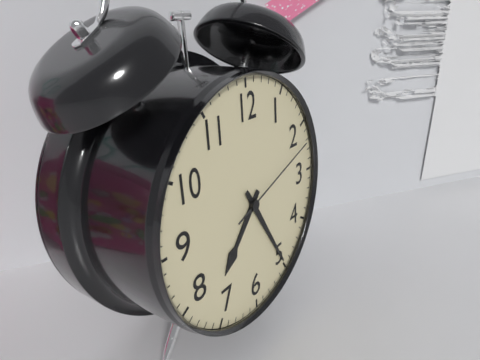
7:25:12
